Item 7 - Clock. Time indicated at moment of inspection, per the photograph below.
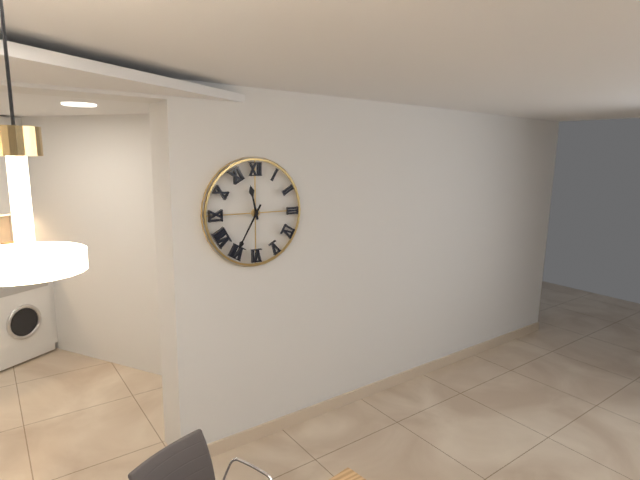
11:35
